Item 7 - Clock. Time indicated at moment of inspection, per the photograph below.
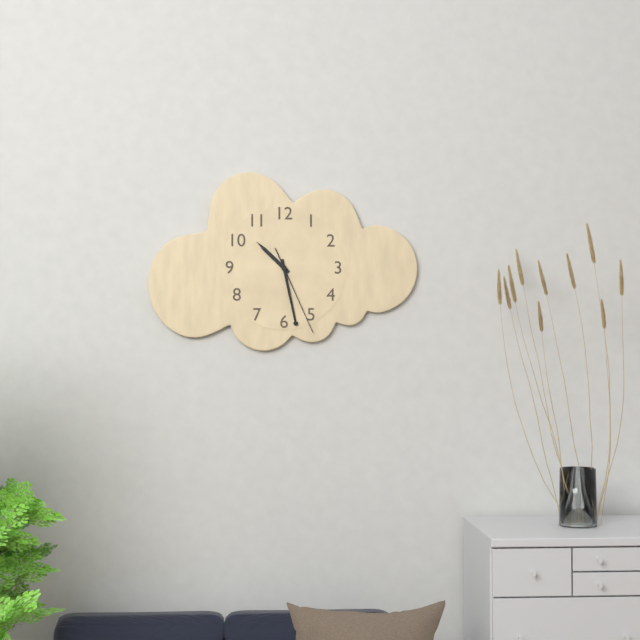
10:28:26
